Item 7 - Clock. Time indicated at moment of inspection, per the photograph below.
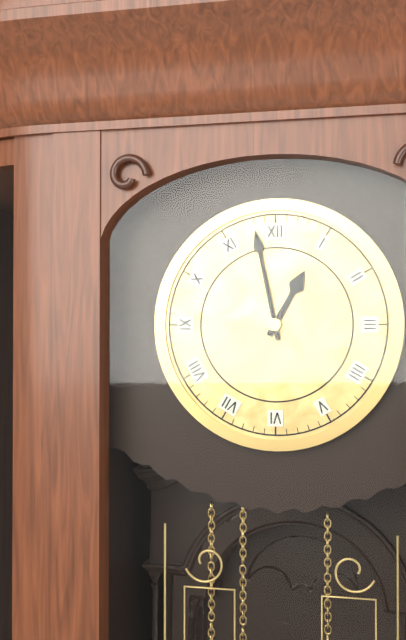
12:58
